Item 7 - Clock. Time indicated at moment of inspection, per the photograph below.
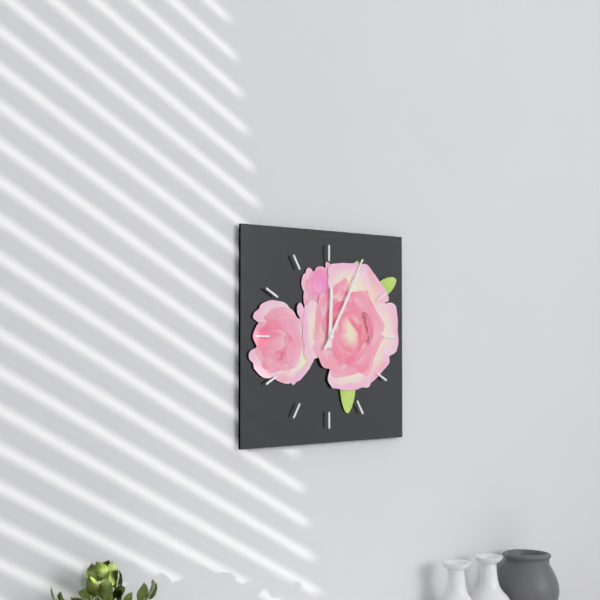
12:05
